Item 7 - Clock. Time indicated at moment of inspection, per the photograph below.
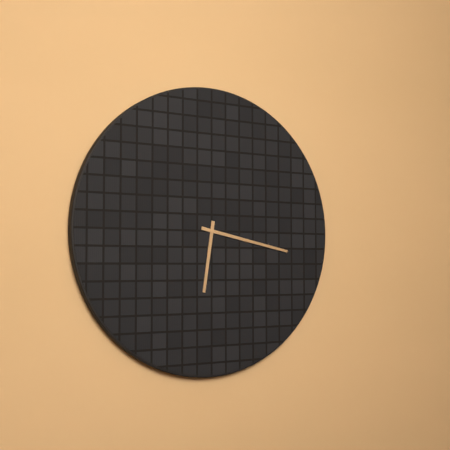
6:17
